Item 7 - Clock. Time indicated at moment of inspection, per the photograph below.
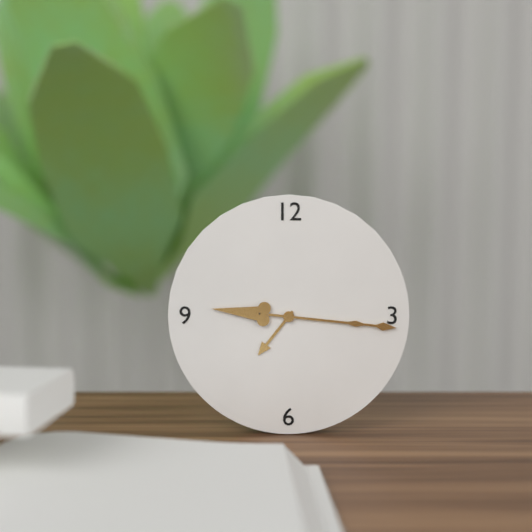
7:16
